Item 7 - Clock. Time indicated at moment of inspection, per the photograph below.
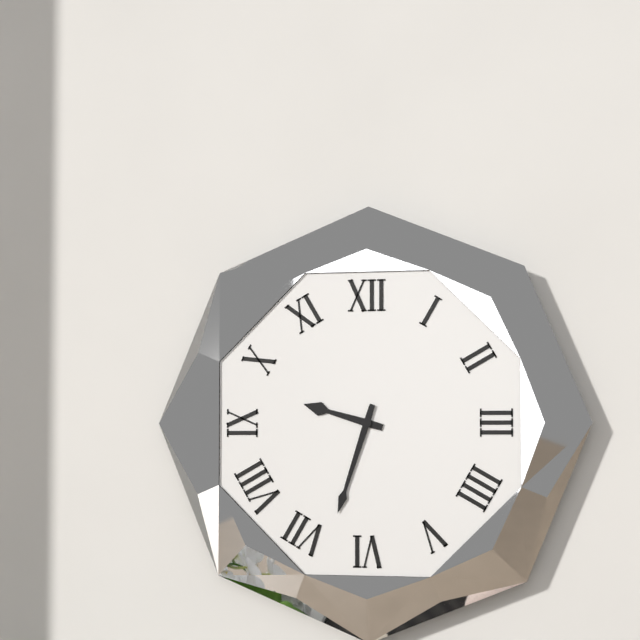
9:33
